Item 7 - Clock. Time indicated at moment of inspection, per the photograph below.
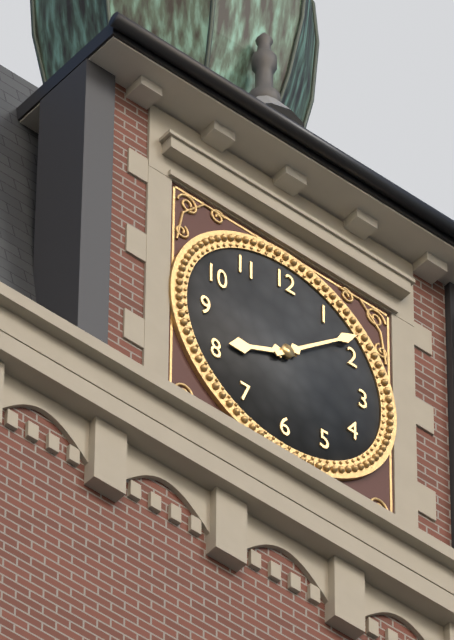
8:08
